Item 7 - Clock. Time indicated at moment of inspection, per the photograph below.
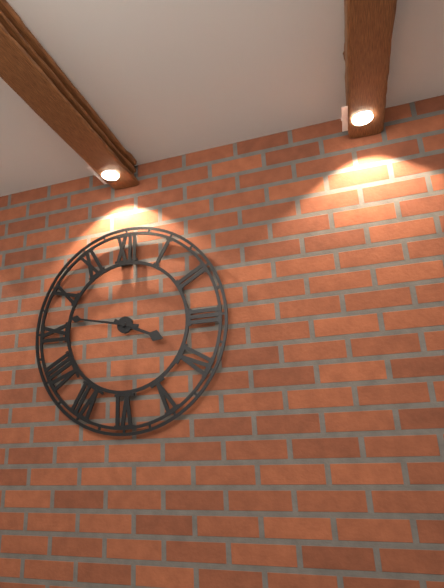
3:47
